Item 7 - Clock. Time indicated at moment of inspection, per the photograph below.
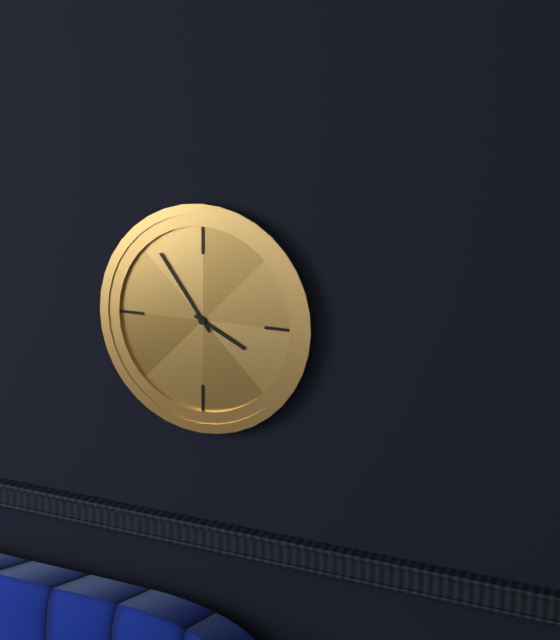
3:54
